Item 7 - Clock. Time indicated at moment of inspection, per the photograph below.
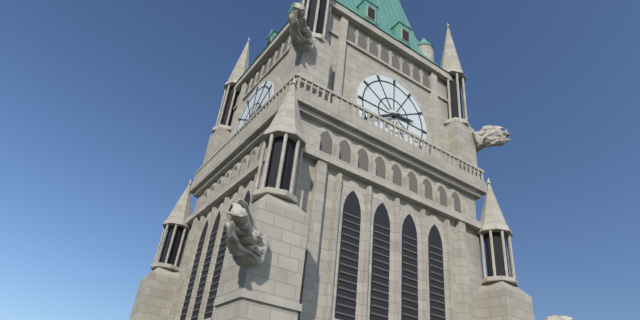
2:40
